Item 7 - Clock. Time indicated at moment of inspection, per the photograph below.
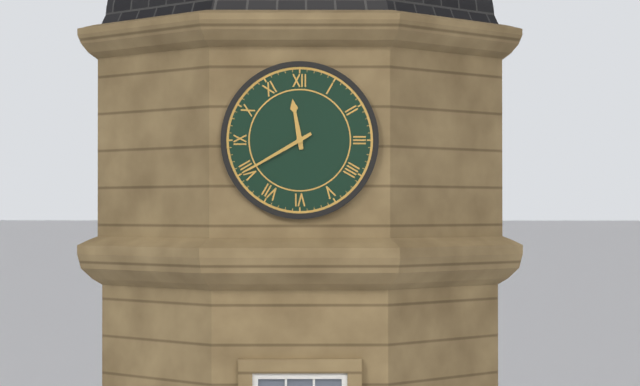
11:40
